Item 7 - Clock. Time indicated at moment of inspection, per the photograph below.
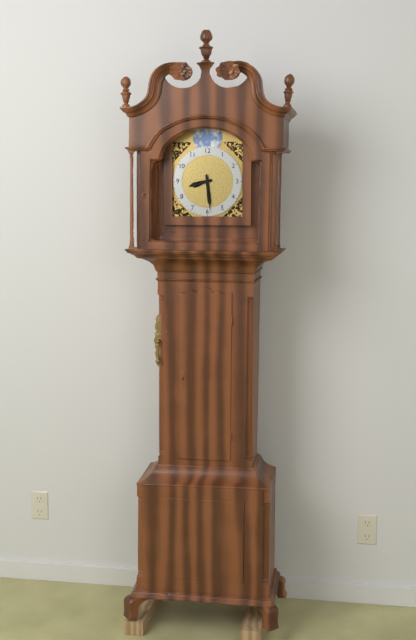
8:29
